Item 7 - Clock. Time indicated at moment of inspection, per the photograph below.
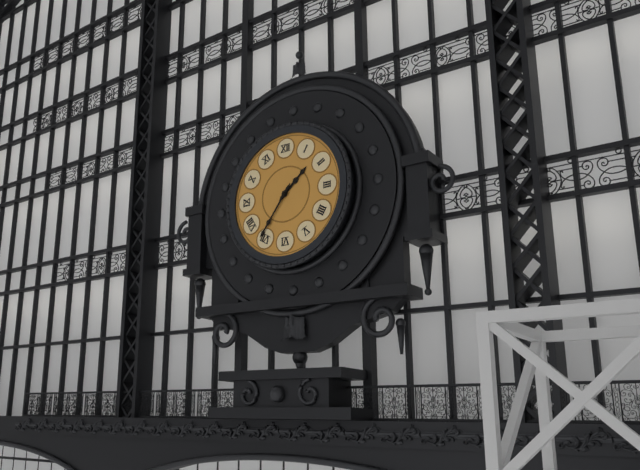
1:36
